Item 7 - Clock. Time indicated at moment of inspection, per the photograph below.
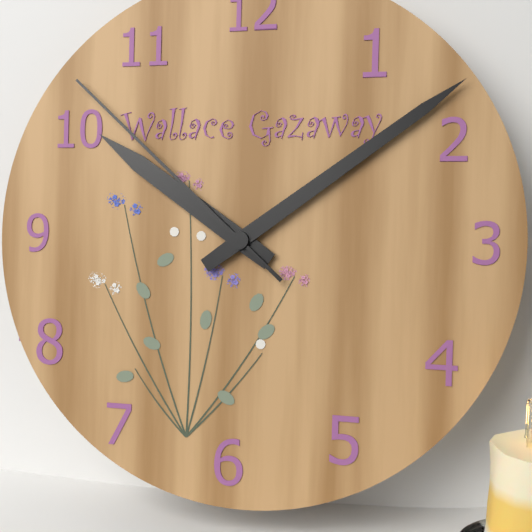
10:09:52
